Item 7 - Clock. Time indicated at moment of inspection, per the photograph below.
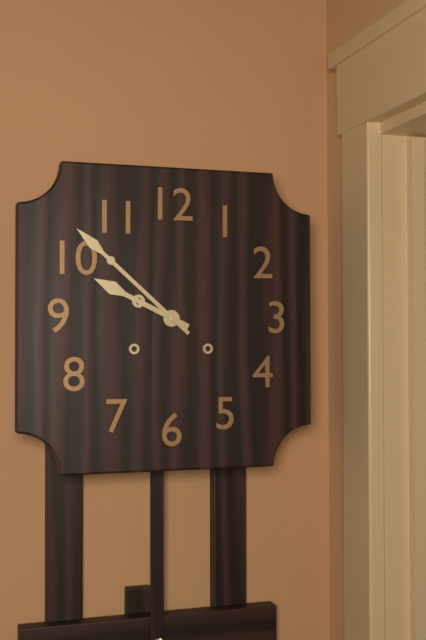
9:52
